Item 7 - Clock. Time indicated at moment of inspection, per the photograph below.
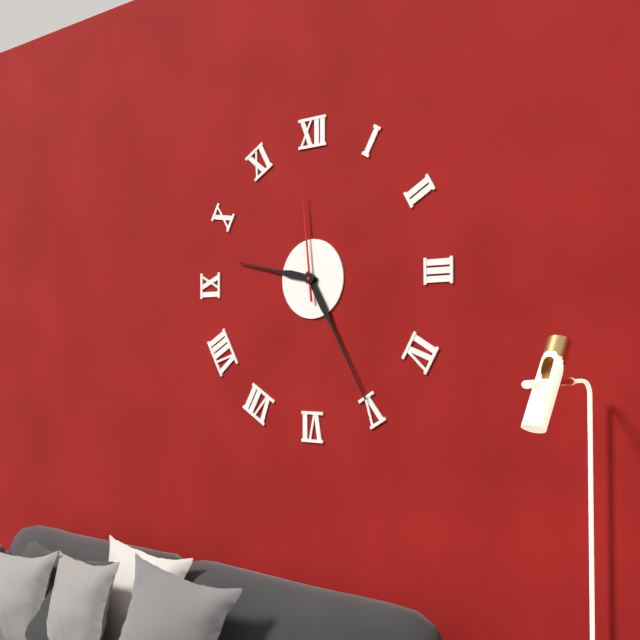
9:25:59
